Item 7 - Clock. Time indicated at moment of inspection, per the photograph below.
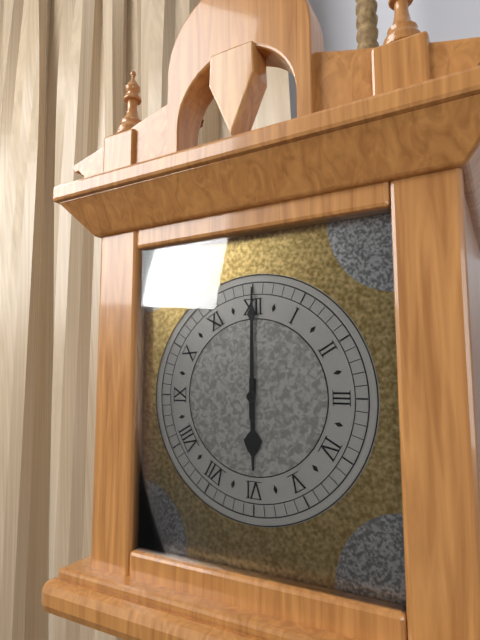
6:00
